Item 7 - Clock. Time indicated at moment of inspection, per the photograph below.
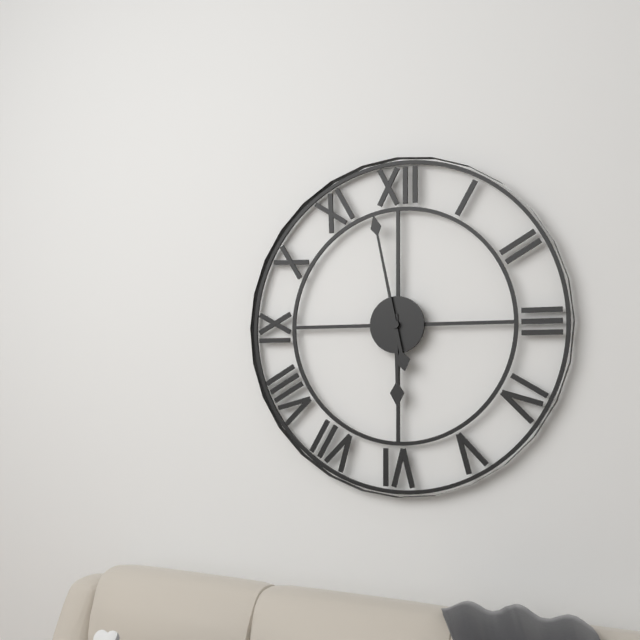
5:58
